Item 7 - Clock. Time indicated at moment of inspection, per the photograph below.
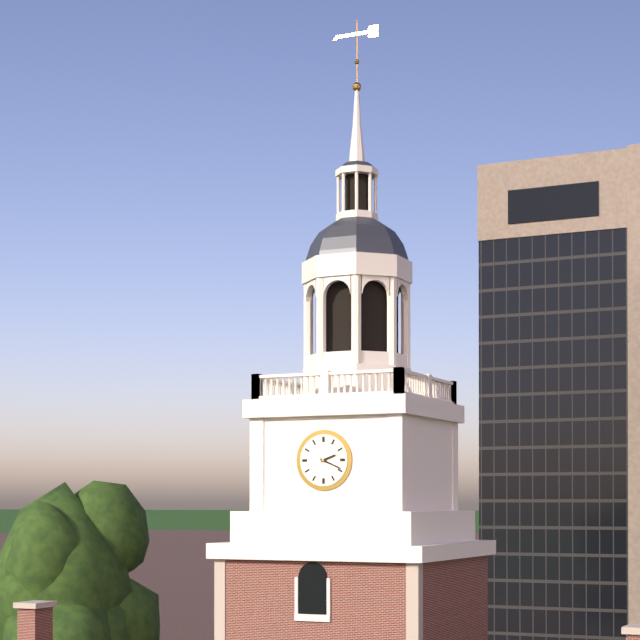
2:19
